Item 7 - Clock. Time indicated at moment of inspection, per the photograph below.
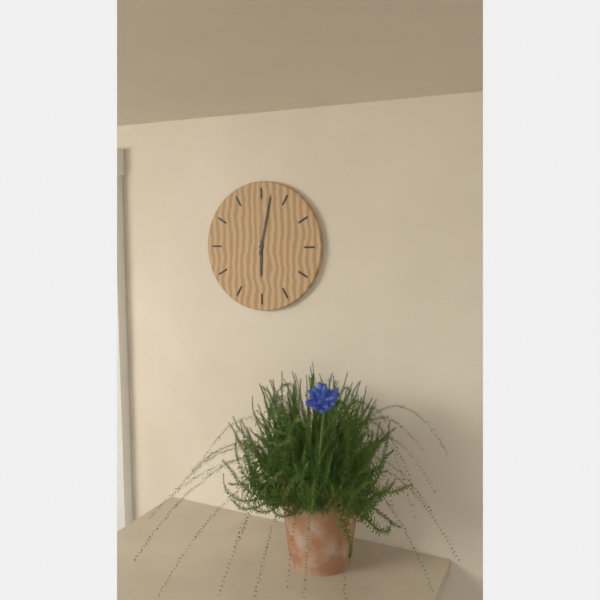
6:02
